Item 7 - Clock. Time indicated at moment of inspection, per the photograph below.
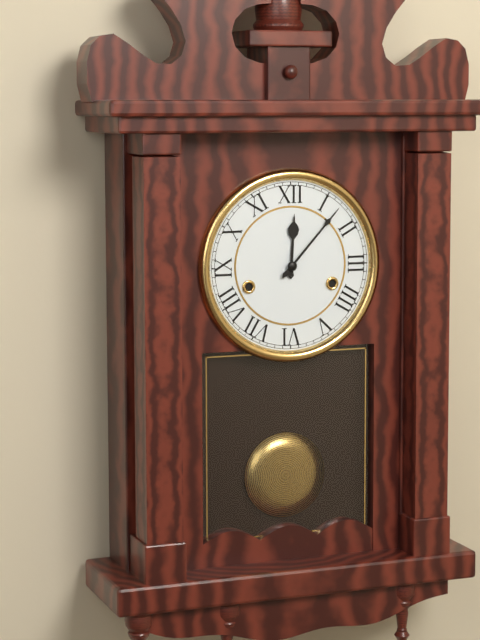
12:07
